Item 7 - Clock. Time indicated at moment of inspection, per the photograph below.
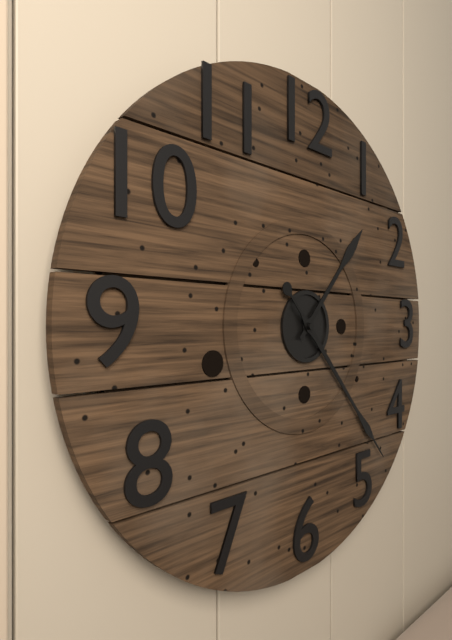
1:23
